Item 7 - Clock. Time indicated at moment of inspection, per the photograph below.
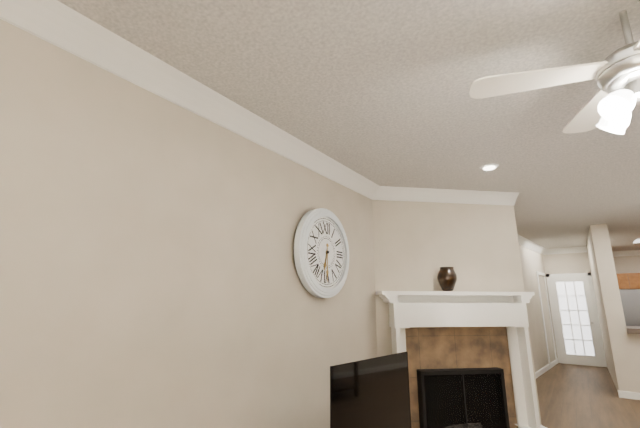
6:30
